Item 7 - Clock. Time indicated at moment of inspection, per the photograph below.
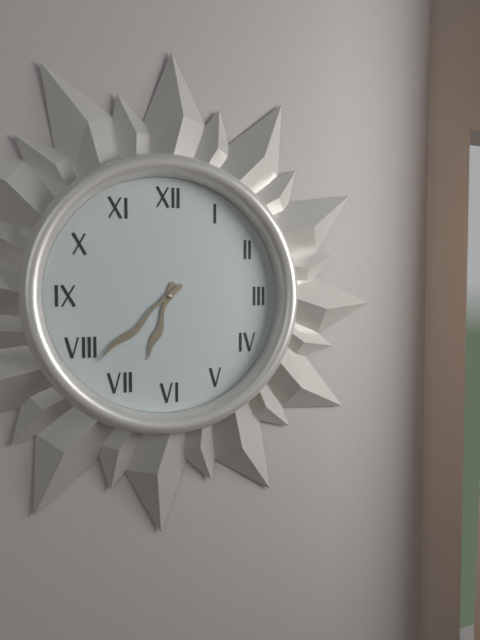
6:38
